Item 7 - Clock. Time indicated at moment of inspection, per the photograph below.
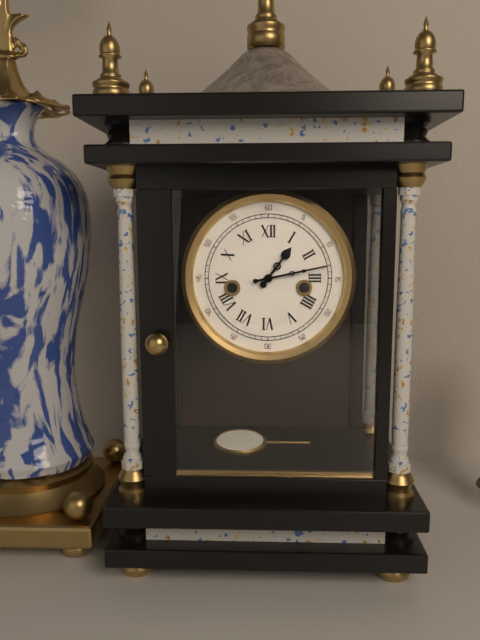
1:13
